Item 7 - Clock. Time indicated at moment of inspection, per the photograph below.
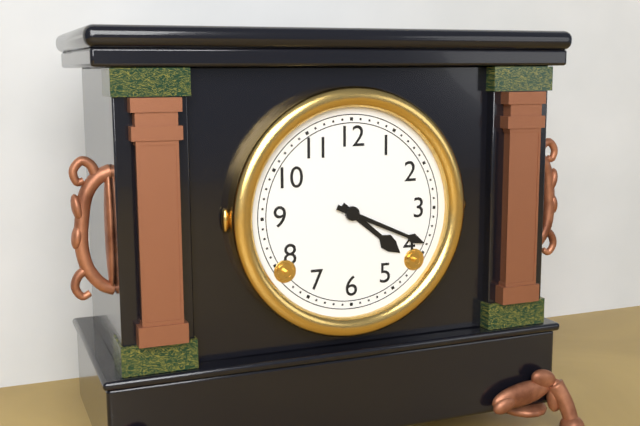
4:19
